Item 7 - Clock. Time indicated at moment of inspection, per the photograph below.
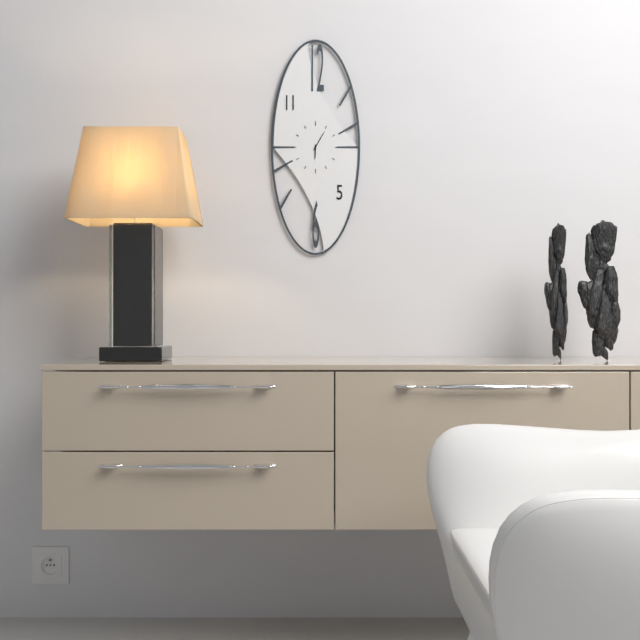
6:05
